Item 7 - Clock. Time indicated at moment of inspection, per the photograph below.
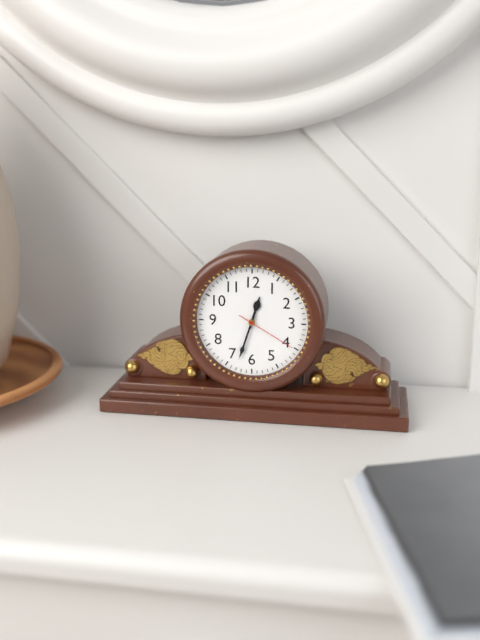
12:33:20
